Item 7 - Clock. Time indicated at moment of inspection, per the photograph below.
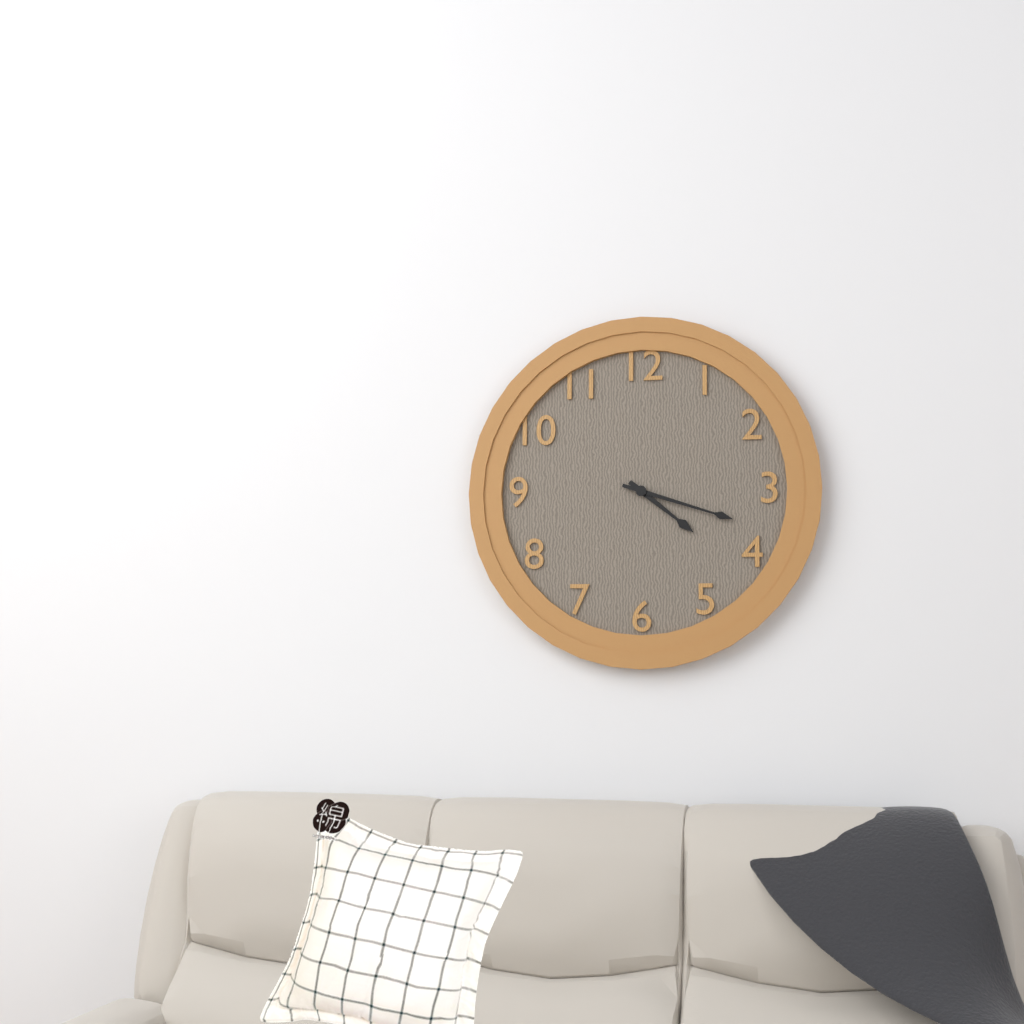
4:18
